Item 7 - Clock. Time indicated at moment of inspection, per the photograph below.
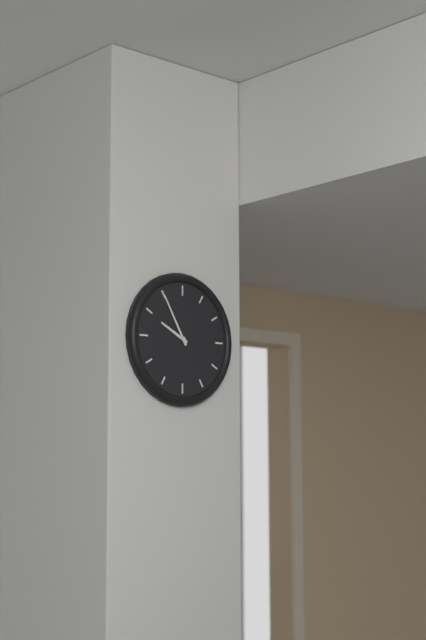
9:55
